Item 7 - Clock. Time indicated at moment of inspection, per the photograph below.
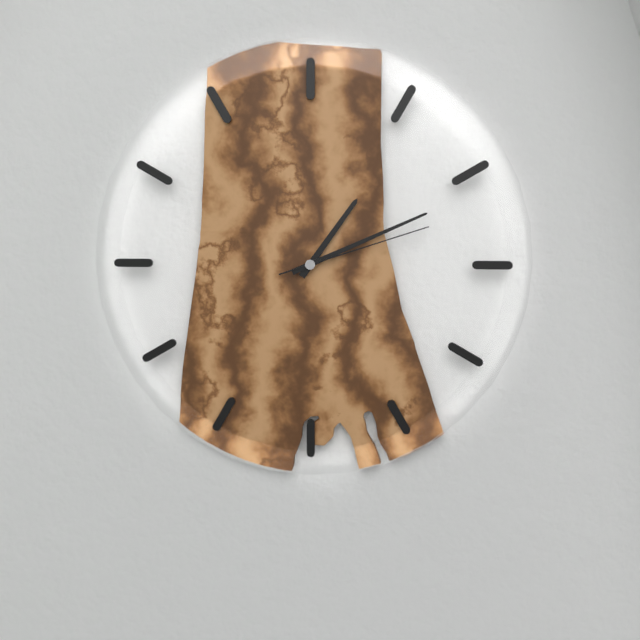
1:11:12
